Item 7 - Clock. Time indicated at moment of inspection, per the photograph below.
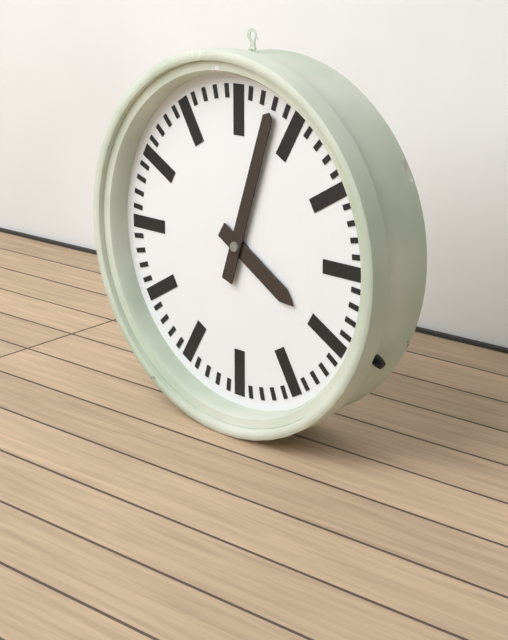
4:03
